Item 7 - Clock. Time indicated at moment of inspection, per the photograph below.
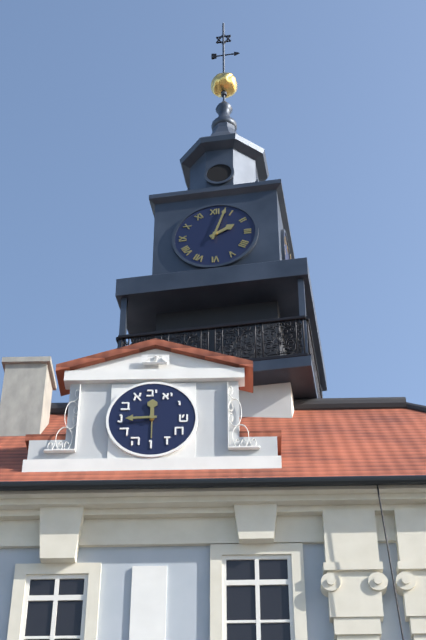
2:03
